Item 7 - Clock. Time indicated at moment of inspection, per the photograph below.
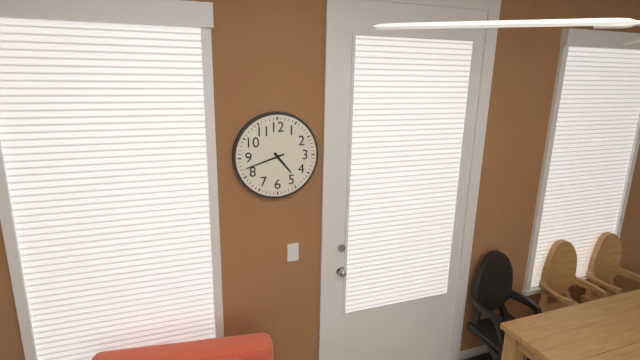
4:42
